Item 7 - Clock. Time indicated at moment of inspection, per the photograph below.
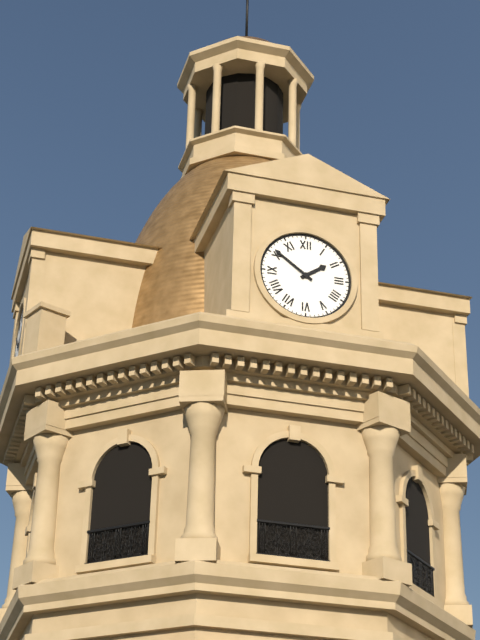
1:51
